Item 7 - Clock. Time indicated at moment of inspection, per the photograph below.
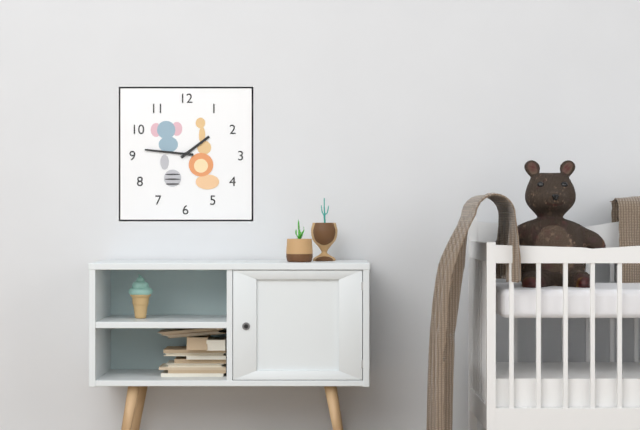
1:46
